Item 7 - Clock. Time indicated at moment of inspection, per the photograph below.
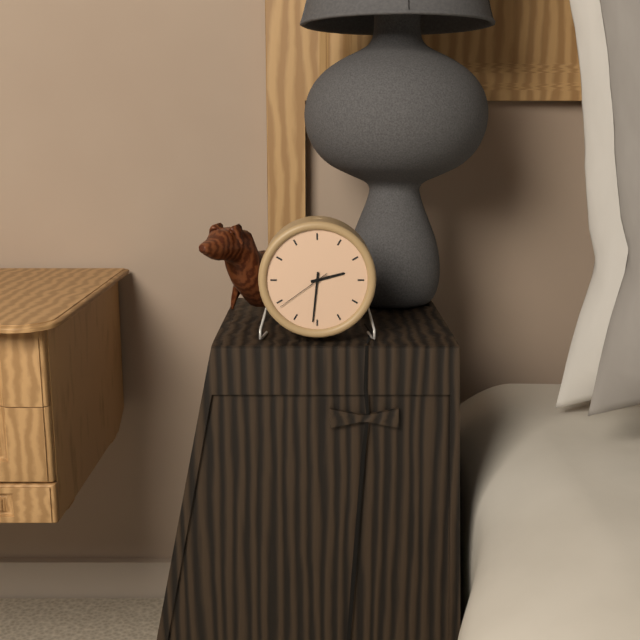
2:31:39
